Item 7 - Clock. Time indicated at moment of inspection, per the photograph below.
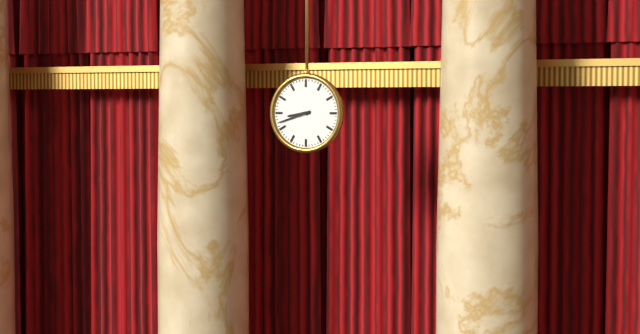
8:42
